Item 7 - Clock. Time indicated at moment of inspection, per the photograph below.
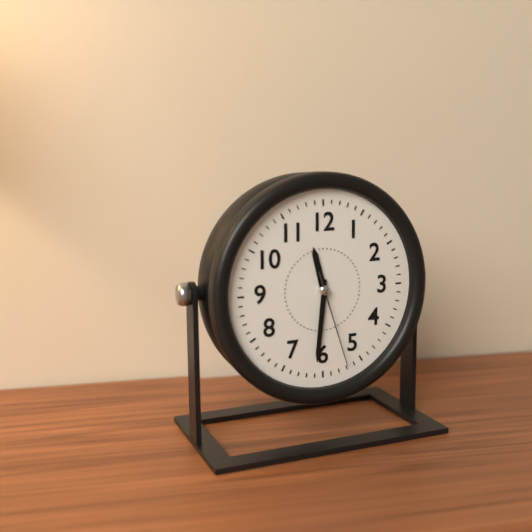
11:31:27
